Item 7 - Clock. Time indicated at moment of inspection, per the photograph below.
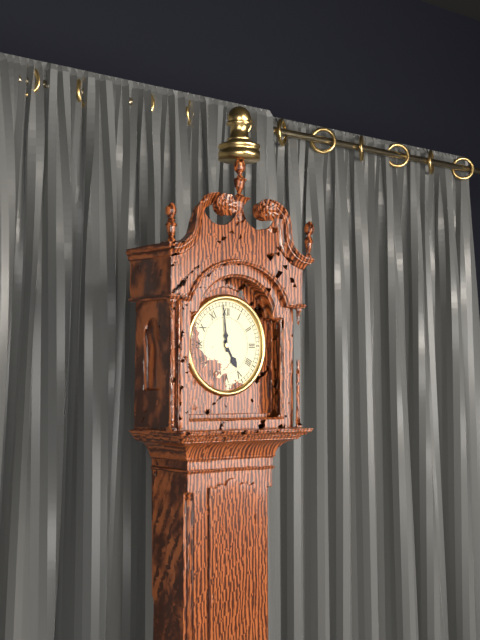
4:59
